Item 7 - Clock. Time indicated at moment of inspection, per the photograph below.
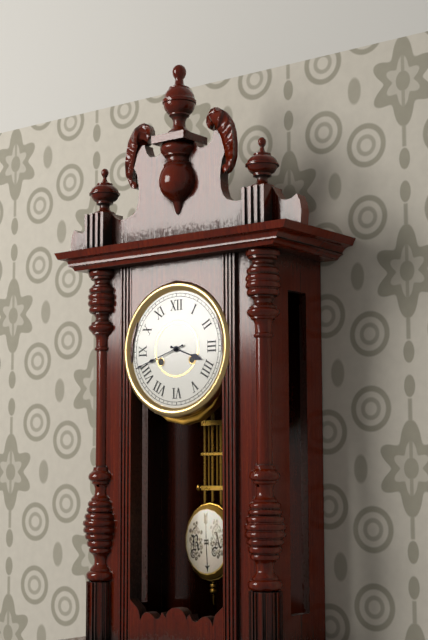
3:42
